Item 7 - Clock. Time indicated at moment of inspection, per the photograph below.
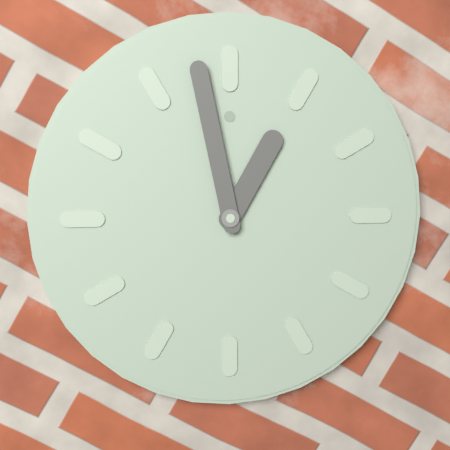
12:58
